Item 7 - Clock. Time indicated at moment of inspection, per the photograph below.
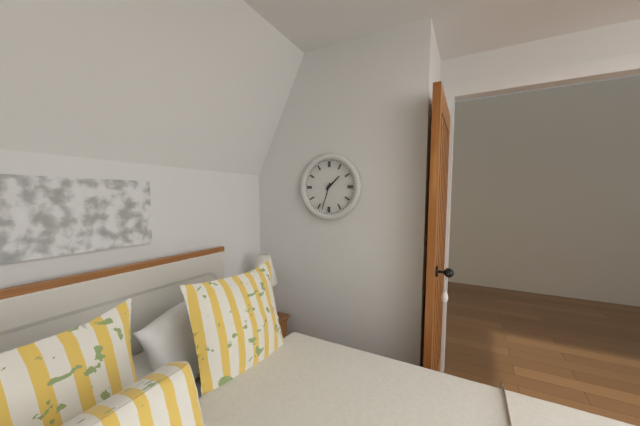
1:33
